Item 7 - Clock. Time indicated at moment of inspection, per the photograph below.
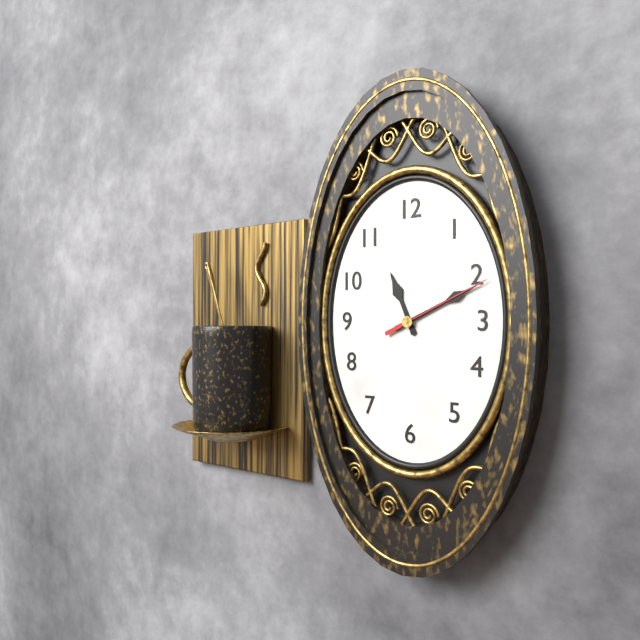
11:11:11
